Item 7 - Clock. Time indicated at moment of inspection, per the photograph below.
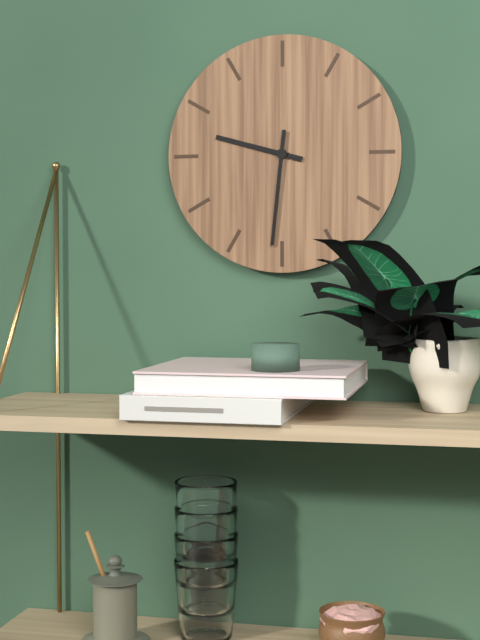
9:31
